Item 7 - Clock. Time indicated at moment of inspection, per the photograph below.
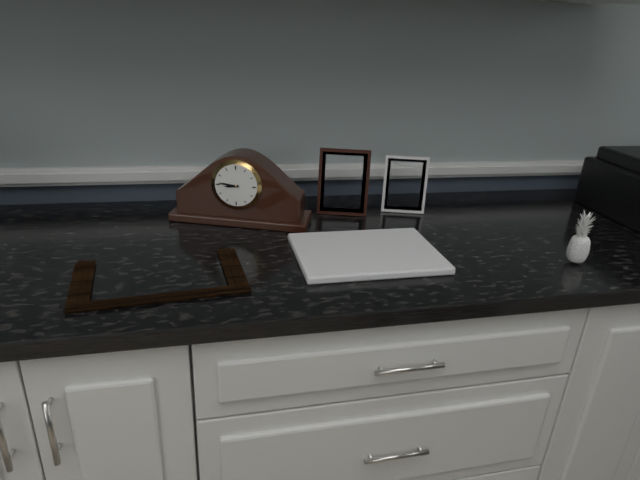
8:46
